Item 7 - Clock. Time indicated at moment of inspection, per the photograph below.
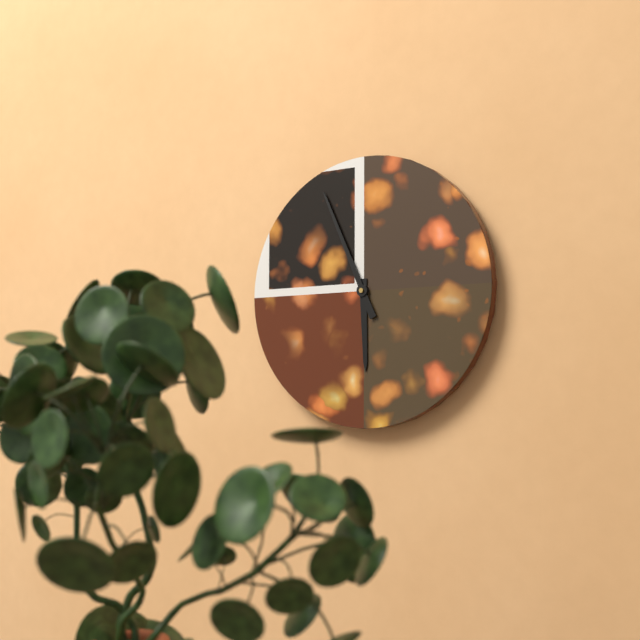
5:56
